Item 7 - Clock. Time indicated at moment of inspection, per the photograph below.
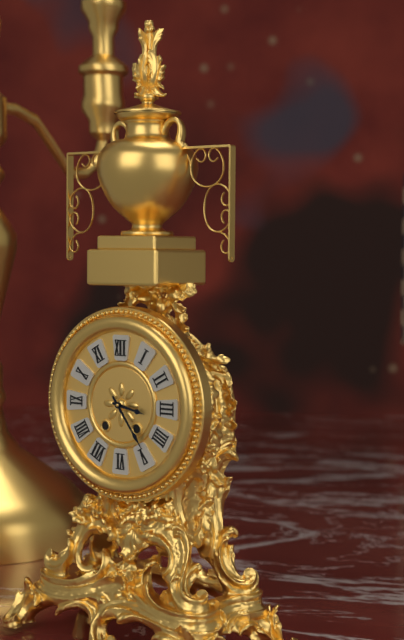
3:24
